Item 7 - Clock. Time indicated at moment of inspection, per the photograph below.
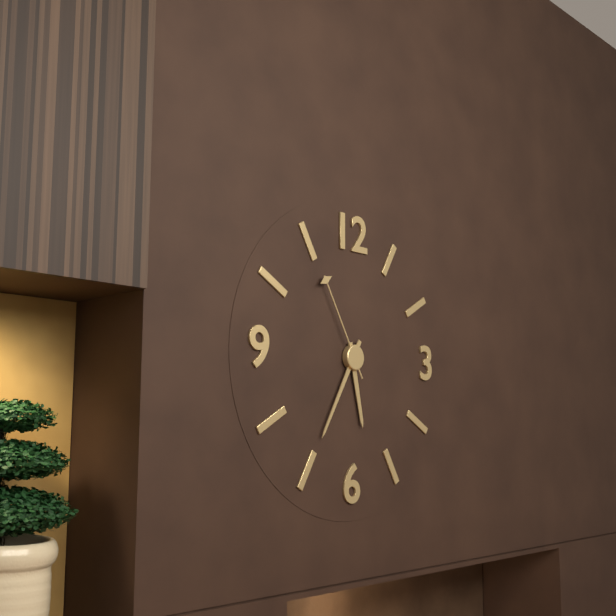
5:35:55
